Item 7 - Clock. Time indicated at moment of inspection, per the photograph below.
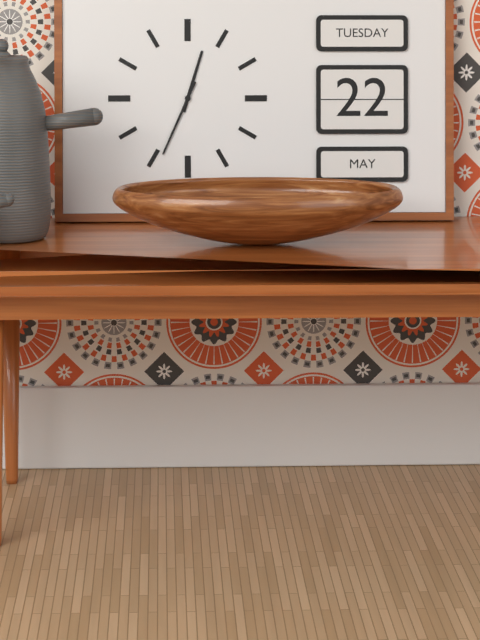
12:34
